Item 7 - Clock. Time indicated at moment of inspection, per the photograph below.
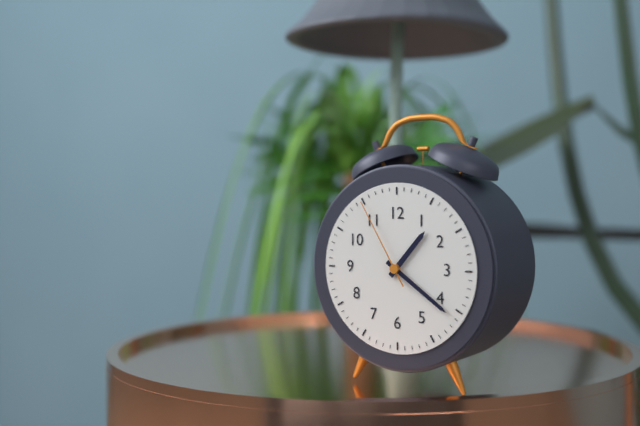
1:21:55
